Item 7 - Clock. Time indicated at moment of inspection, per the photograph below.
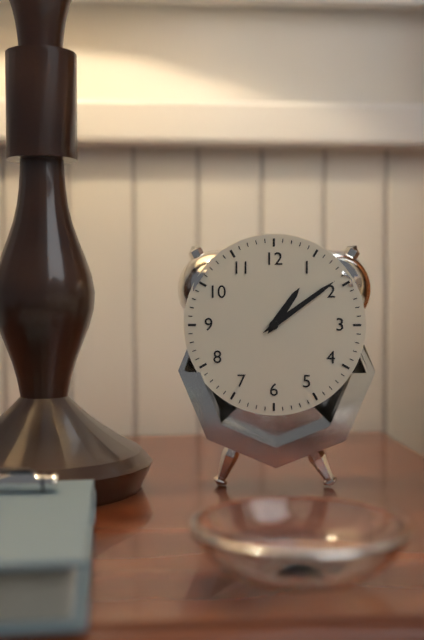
1:09
